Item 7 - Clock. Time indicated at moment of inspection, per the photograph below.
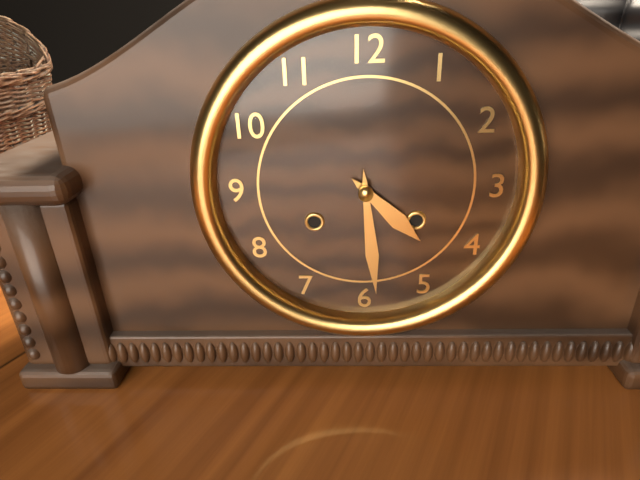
4:29
